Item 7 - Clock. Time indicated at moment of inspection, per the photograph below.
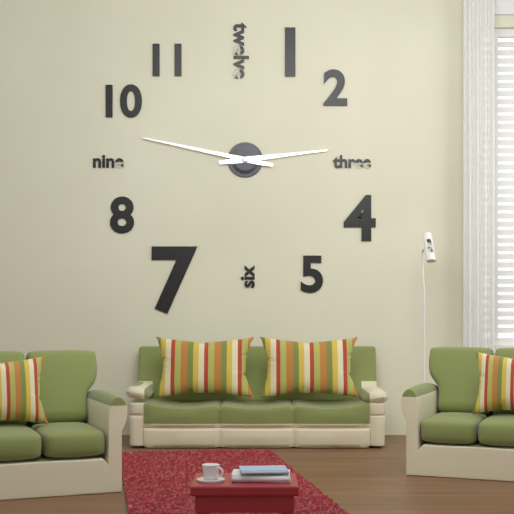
2:47
